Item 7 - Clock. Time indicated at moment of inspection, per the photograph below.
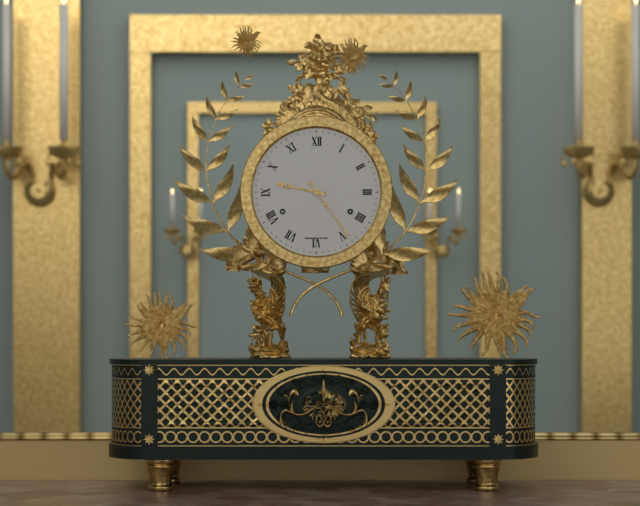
9:24
